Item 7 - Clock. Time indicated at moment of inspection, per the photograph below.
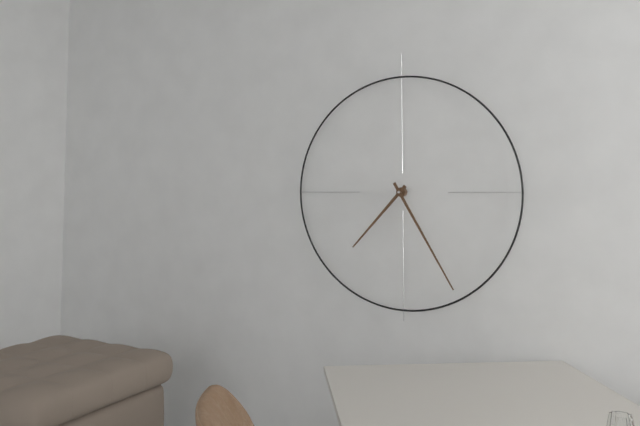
7:25
